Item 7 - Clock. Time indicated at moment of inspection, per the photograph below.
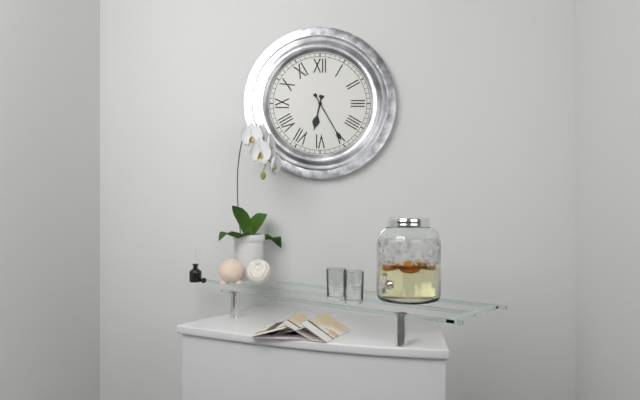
6:25
